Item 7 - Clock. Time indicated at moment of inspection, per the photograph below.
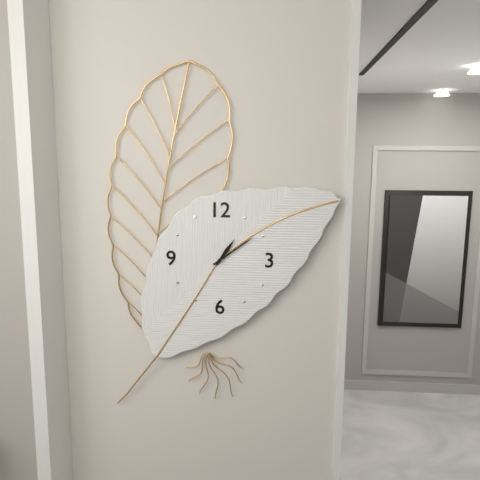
1:09
